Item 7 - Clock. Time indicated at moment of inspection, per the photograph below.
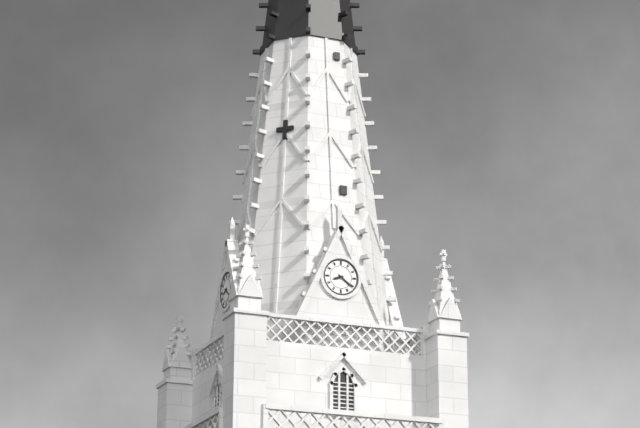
8:21
